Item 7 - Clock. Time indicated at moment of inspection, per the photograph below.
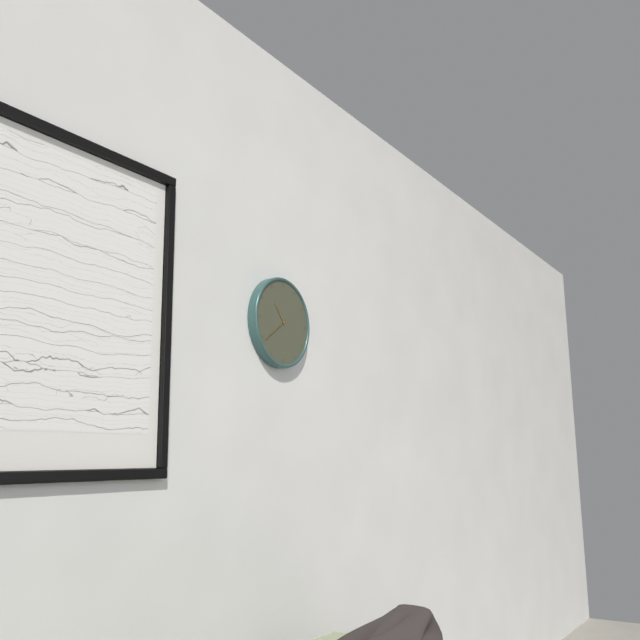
10:39
